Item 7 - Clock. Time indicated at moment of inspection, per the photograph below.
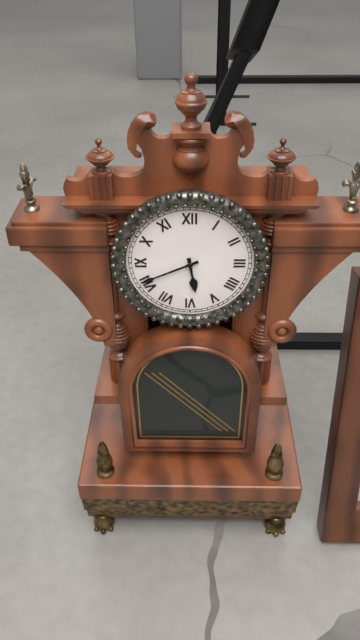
5:41
